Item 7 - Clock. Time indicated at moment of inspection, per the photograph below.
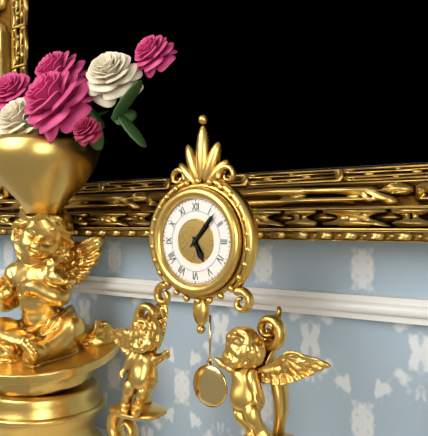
5:07
